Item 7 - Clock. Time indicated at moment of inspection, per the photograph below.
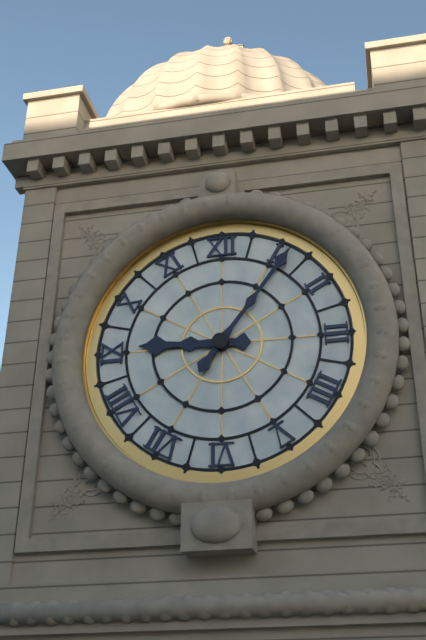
9:06
